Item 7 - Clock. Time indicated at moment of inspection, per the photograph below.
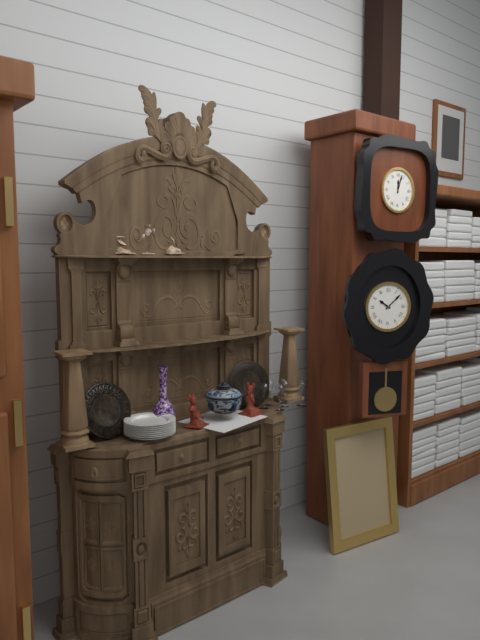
12:03
